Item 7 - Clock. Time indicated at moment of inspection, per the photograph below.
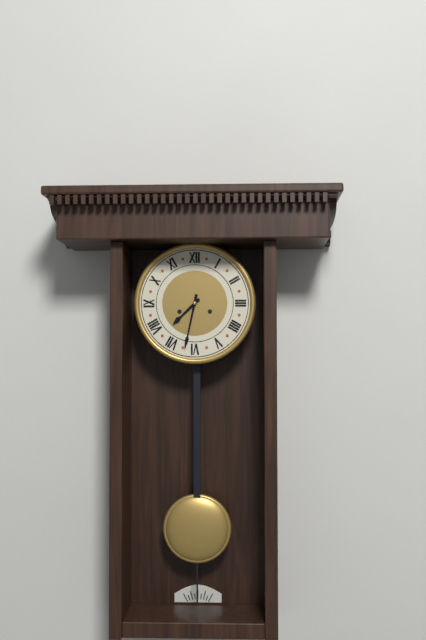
7:32
